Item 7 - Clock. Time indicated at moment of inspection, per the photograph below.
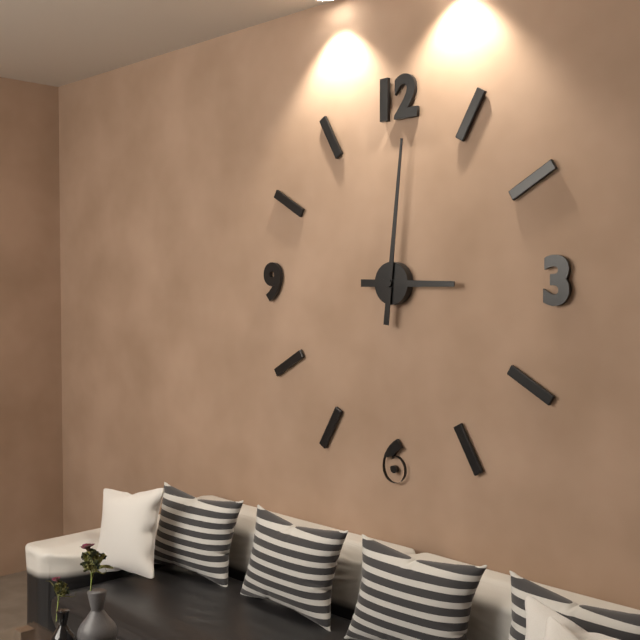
3:01
